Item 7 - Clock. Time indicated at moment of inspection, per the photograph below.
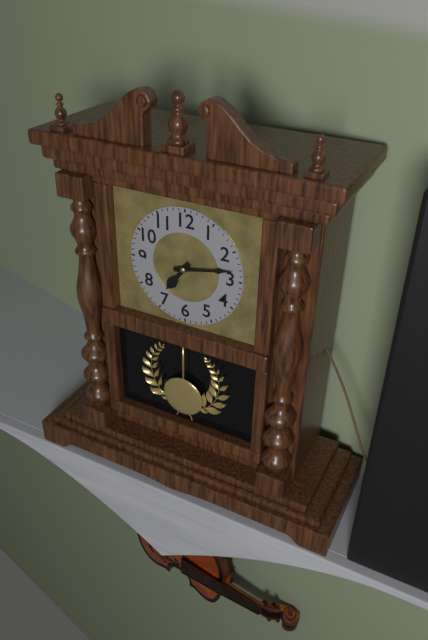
7:13
